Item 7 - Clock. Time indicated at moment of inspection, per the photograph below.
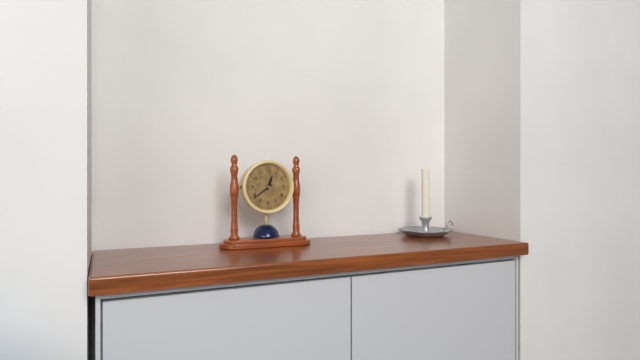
12:39
